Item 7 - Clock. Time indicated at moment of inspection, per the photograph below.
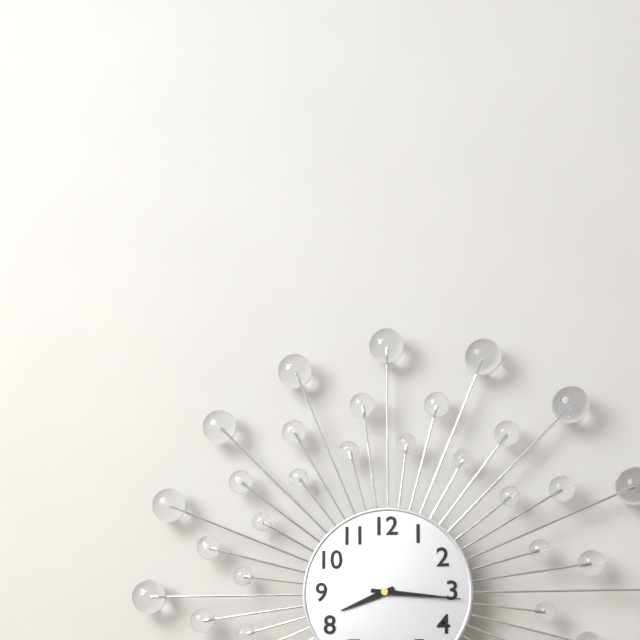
8:16
